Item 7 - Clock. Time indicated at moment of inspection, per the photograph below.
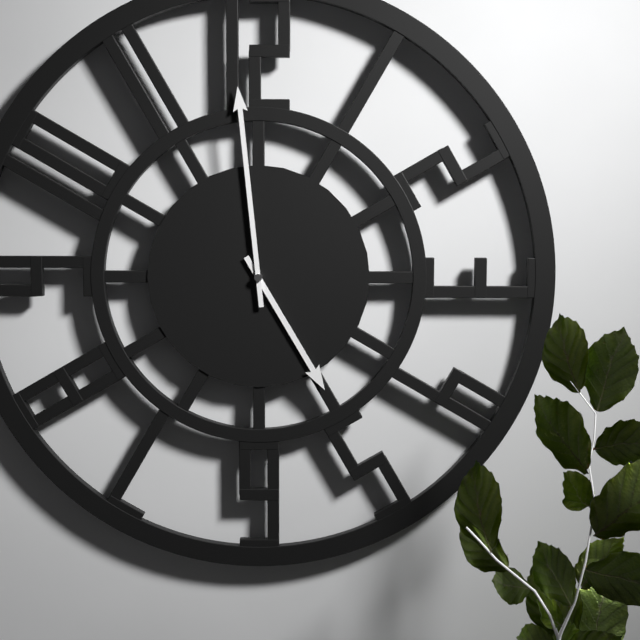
4:59
